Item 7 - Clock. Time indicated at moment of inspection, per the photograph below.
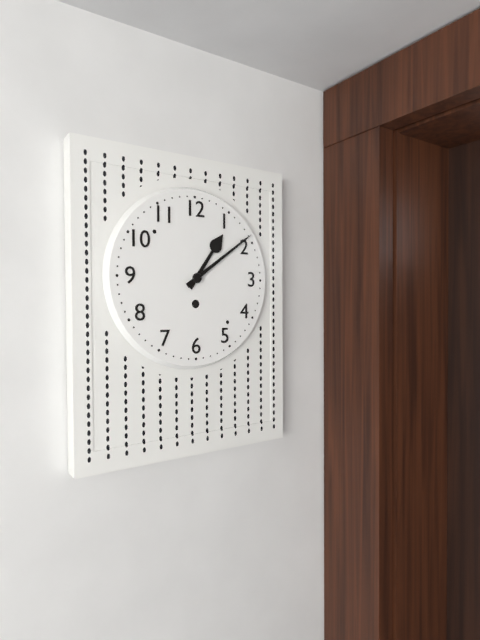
1:09
